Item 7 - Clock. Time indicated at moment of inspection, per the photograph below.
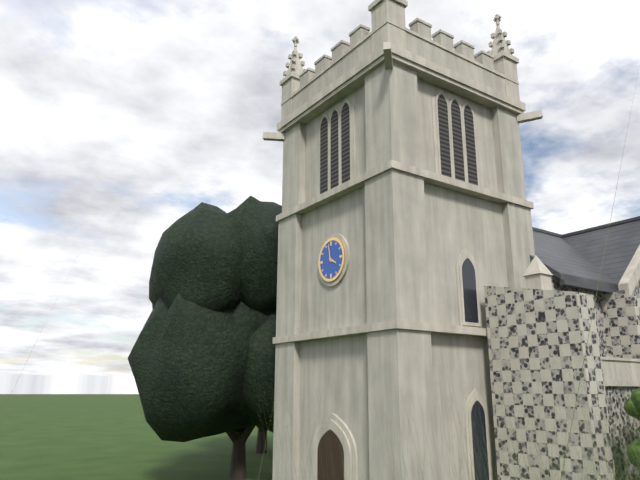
3:58
